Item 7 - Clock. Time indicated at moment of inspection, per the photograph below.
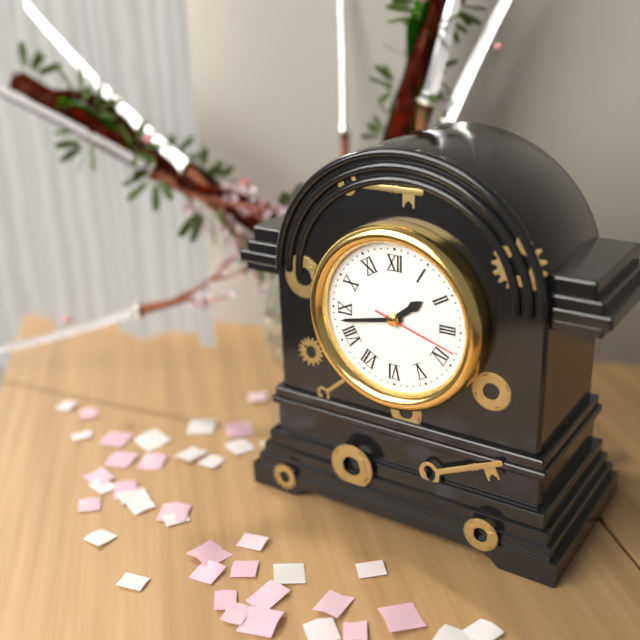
1:43:18
